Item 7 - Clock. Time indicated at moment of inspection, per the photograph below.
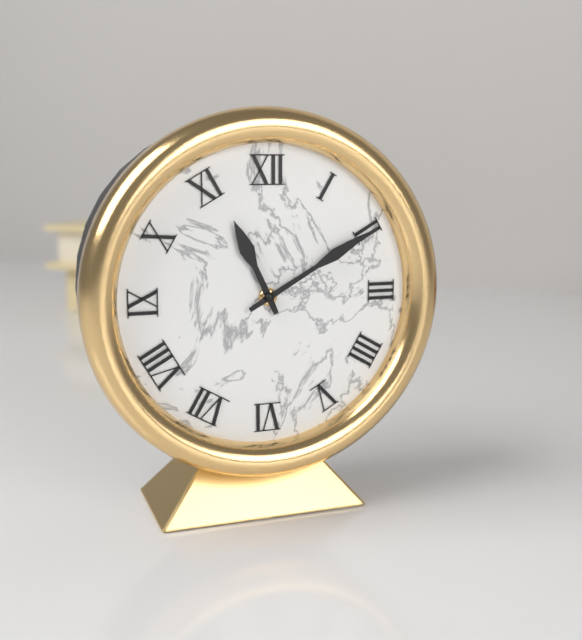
11:10
